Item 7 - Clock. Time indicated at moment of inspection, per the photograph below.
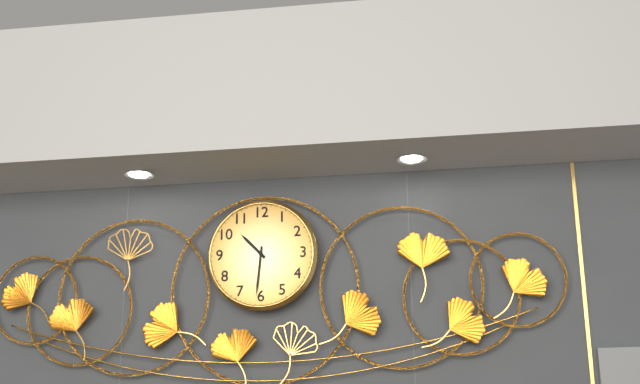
10:31
